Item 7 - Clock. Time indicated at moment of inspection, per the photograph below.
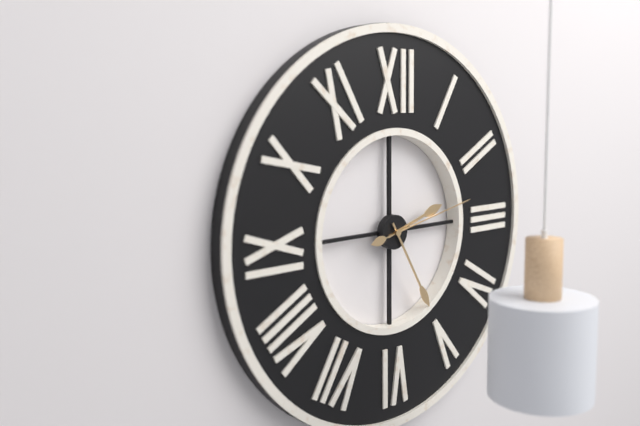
2:25:13
